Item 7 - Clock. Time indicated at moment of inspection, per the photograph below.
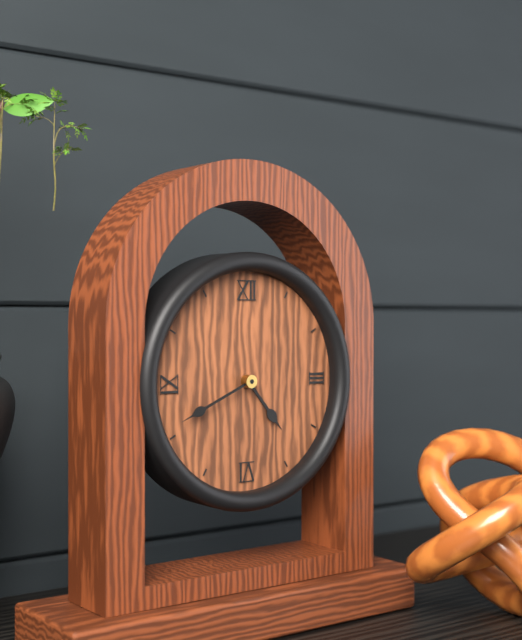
4:41
